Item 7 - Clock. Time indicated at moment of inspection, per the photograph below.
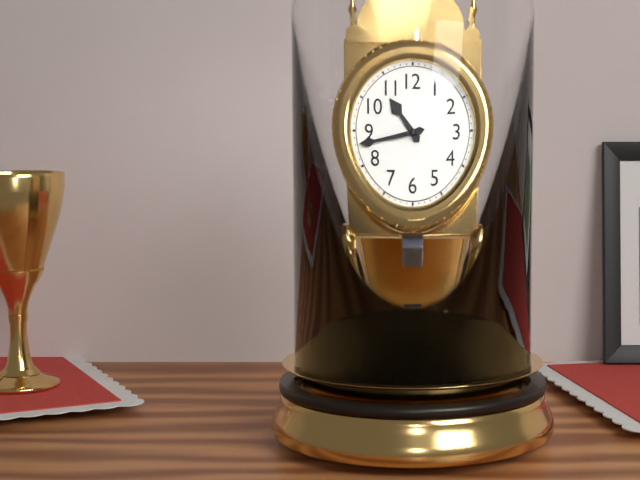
10:43
